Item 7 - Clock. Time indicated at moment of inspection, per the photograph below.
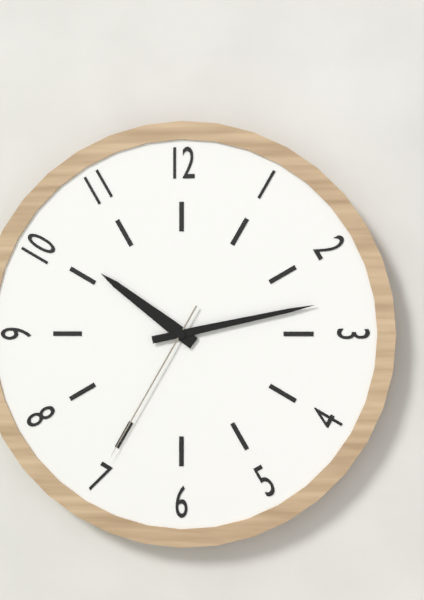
10:13:35
